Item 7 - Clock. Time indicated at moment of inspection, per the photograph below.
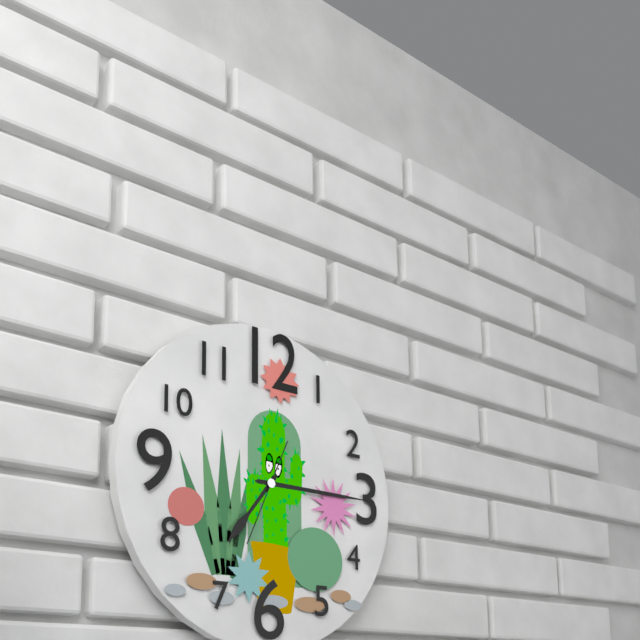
7:15:34
